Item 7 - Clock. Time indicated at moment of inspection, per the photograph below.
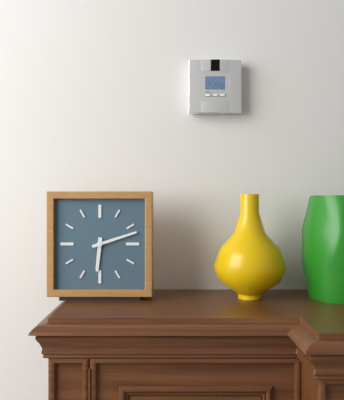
6:12
